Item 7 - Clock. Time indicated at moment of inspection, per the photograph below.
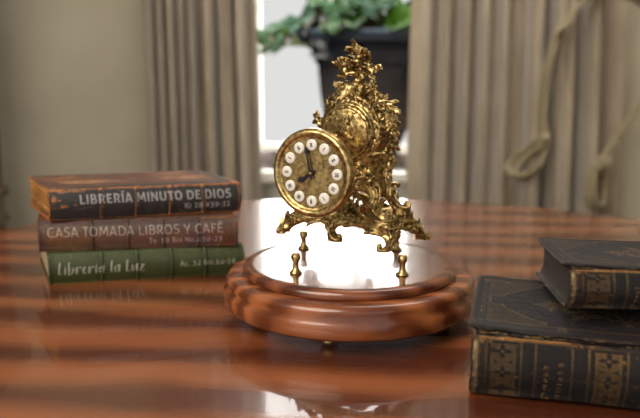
7:58
